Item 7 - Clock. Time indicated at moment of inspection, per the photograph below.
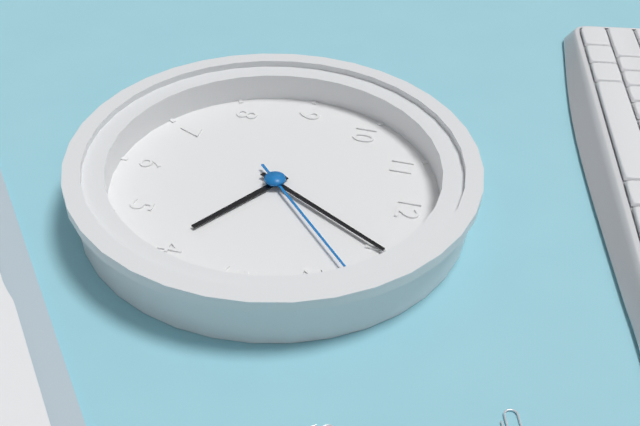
4:05:08
